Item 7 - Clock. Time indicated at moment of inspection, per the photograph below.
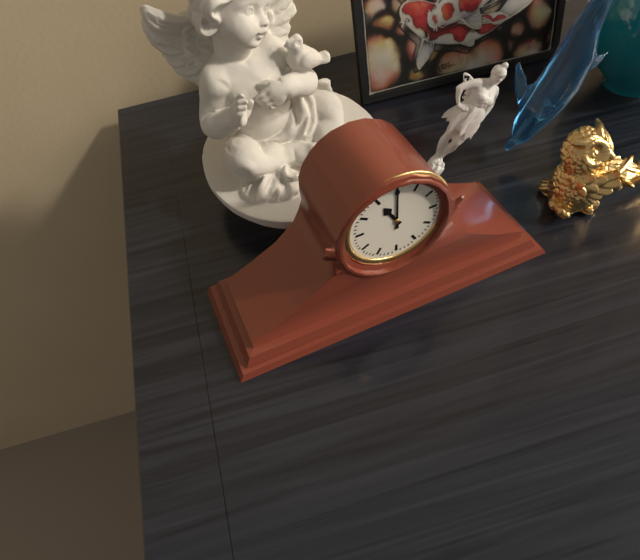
11:00
